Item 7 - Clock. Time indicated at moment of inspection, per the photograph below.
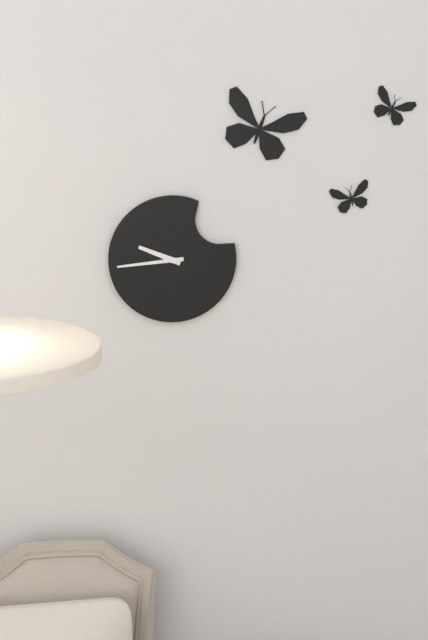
9:44
